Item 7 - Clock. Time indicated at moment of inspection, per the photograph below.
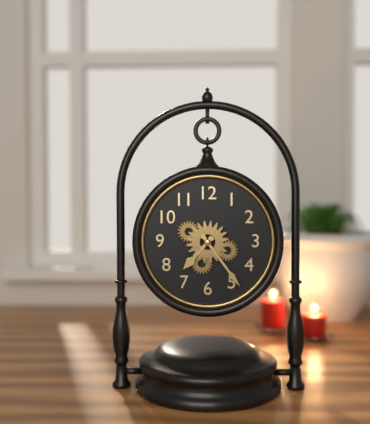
7:24
